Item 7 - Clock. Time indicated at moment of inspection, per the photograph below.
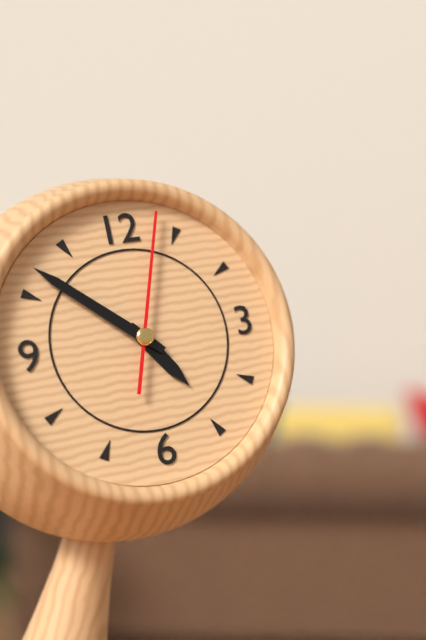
4:52:03
